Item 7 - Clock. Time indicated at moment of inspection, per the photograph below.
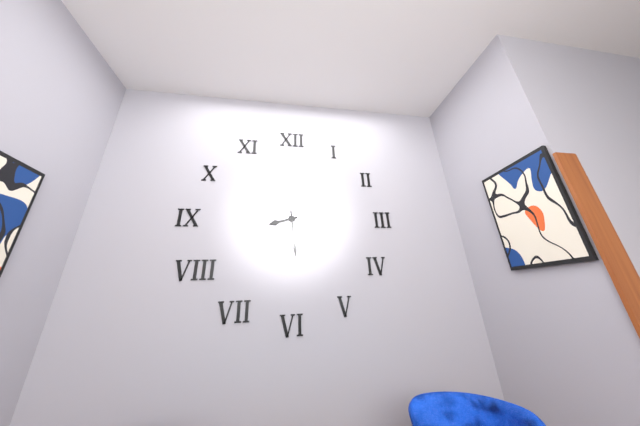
8:29
